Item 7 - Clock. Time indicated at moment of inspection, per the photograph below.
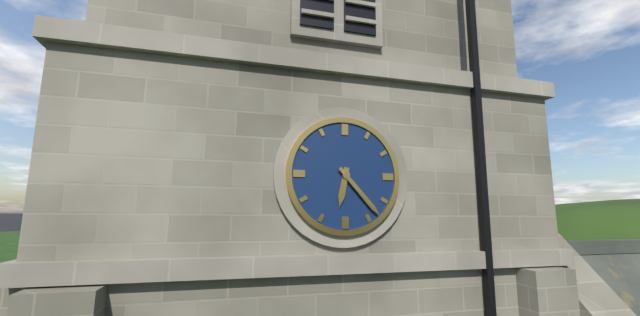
6:23
